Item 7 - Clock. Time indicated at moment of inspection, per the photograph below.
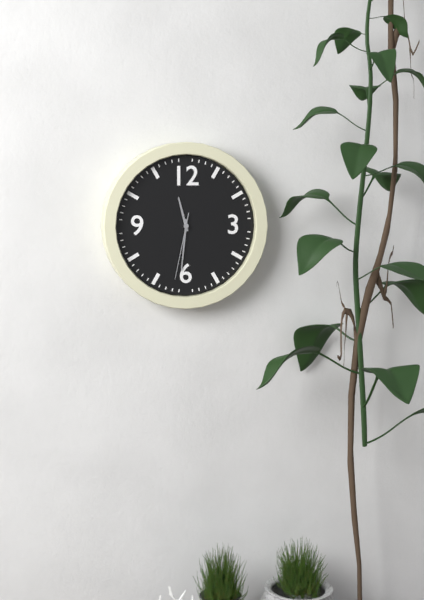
11:31:32
